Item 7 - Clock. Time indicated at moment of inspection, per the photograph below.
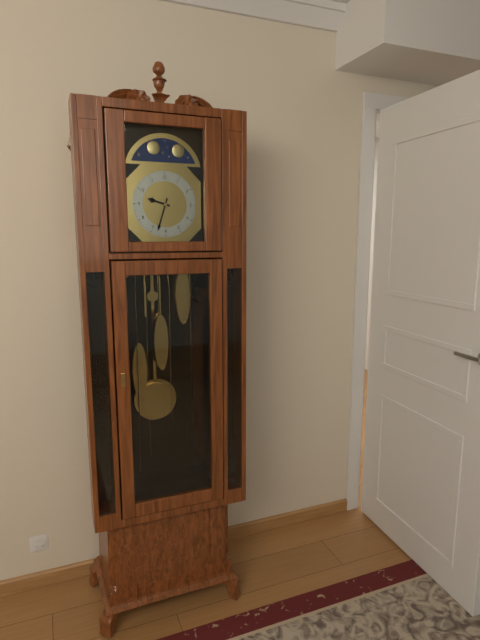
9:33
